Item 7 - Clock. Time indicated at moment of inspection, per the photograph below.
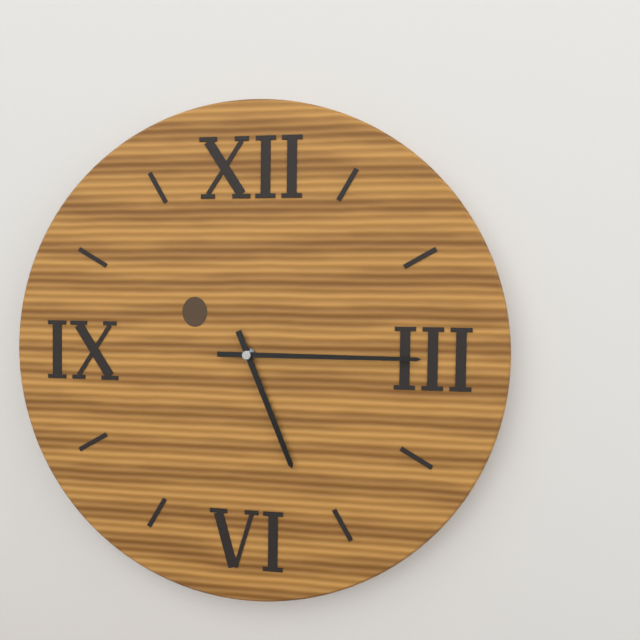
5:15
